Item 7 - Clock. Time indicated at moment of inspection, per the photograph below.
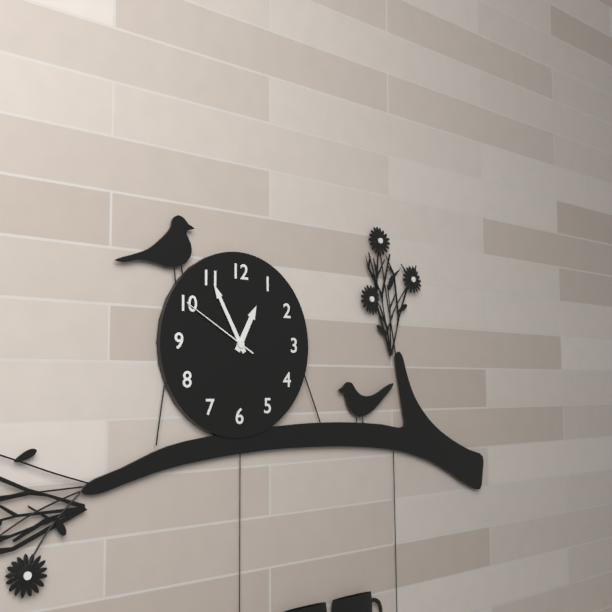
12:55:50
